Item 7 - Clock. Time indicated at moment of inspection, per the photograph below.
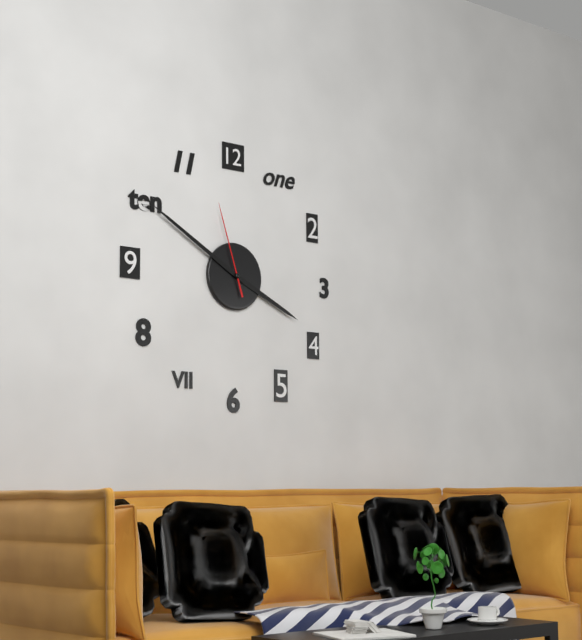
3:50:57
